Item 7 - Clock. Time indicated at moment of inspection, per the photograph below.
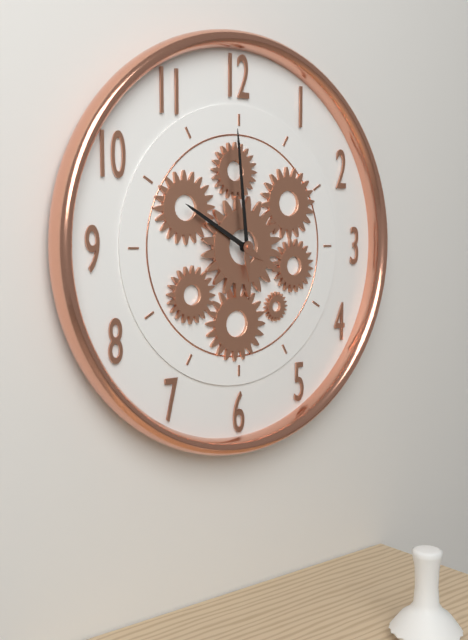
9:59
